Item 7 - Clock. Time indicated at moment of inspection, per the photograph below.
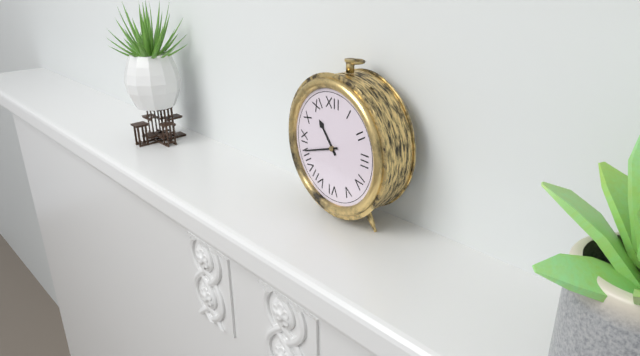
10:42
